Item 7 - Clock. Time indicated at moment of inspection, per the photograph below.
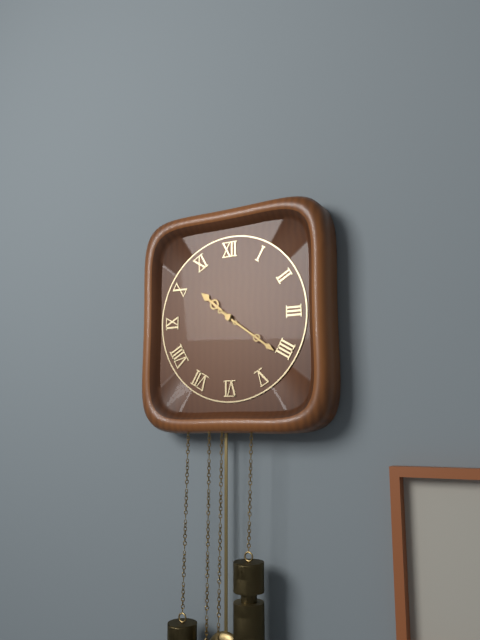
10:21
